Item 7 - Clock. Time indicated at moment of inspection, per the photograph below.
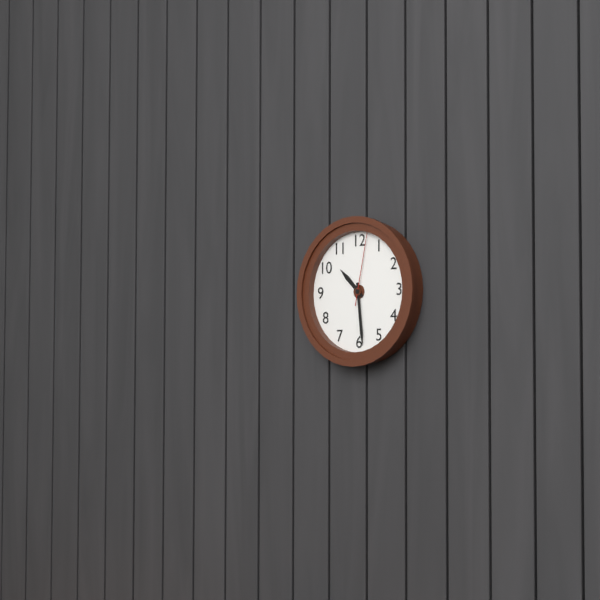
10:29:02
